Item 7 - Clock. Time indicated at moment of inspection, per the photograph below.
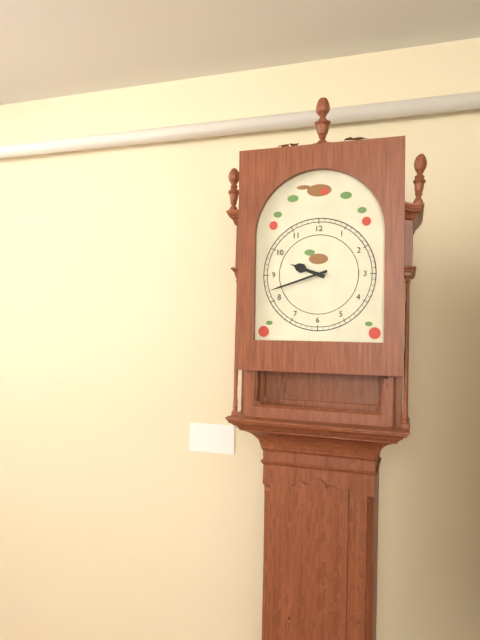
9:42
